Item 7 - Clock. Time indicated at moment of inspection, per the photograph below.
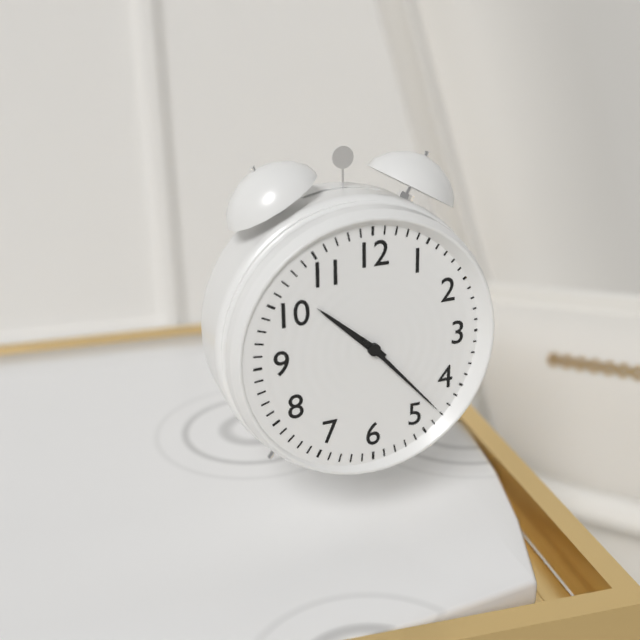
10:23
